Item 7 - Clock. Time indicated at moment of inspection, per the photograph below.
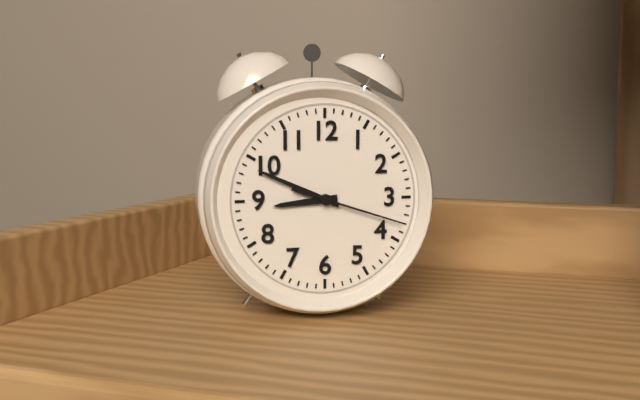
8:49:18
